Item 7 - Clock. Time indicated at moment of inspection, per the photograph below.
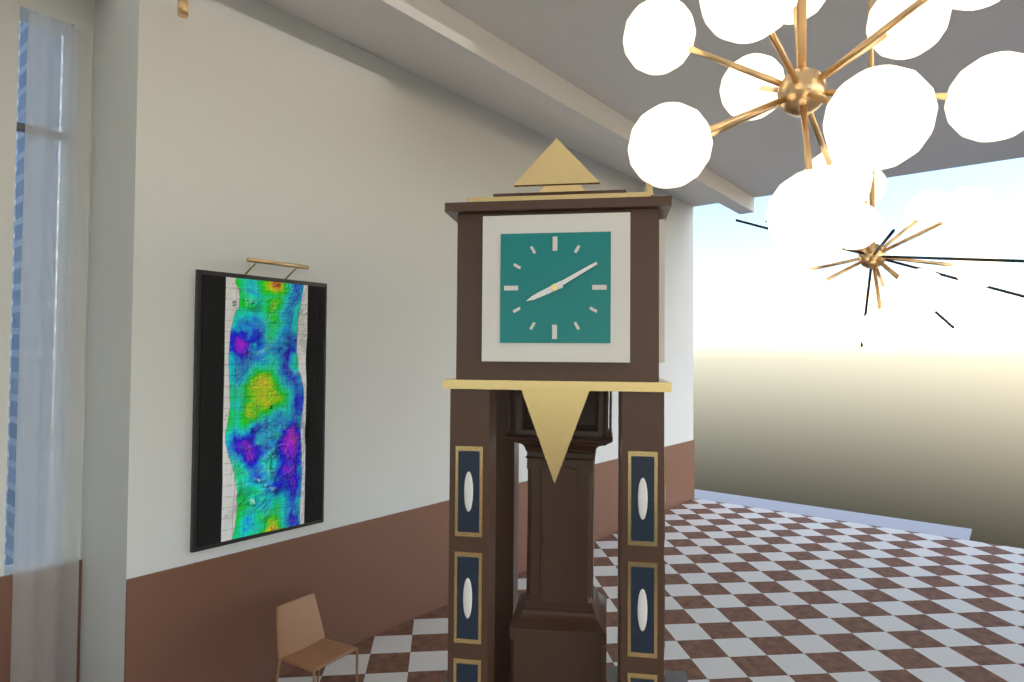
8:10
